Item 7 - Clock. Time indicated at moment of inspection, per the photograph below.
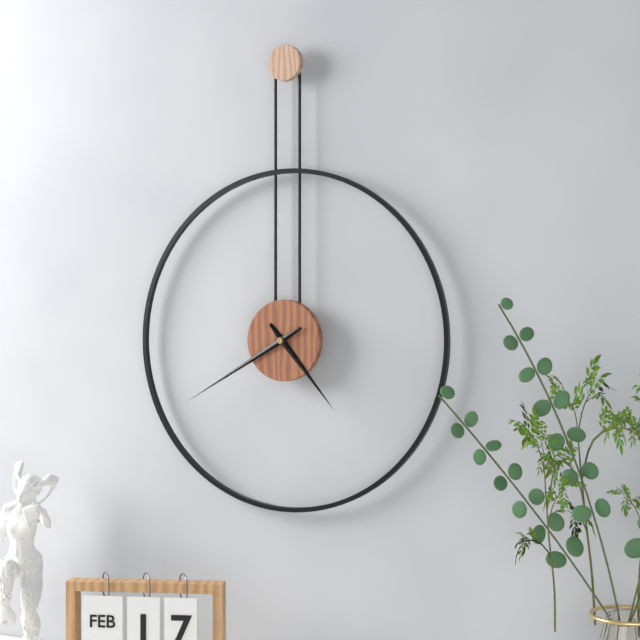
4:40
